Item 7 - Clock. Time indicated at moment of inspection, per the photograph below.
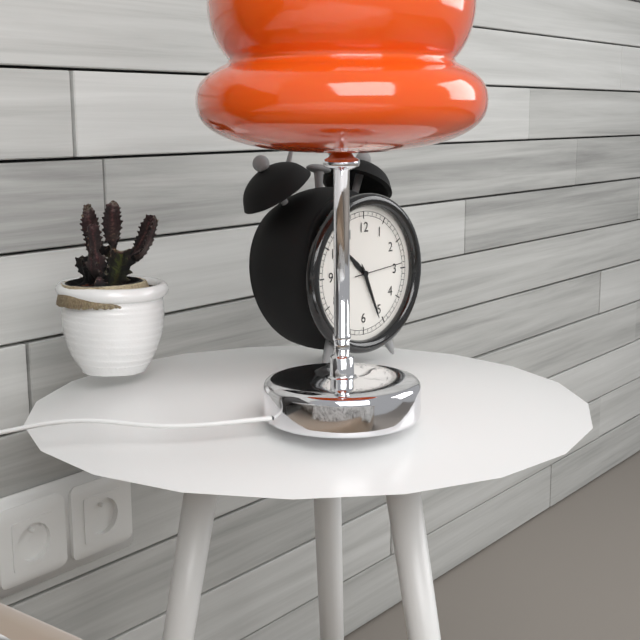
10:26:14
